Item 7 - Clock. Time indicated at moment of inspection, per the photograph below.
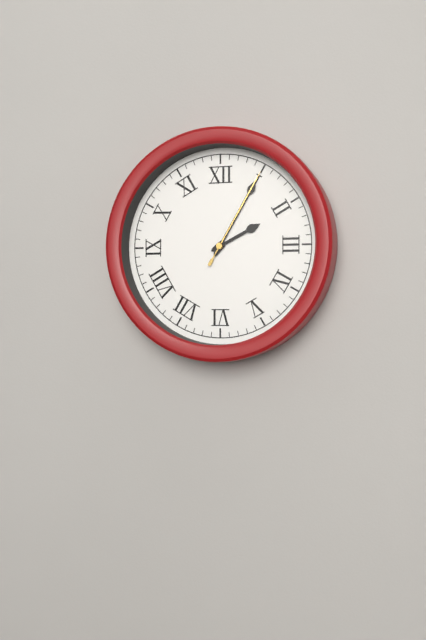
2:05:05
